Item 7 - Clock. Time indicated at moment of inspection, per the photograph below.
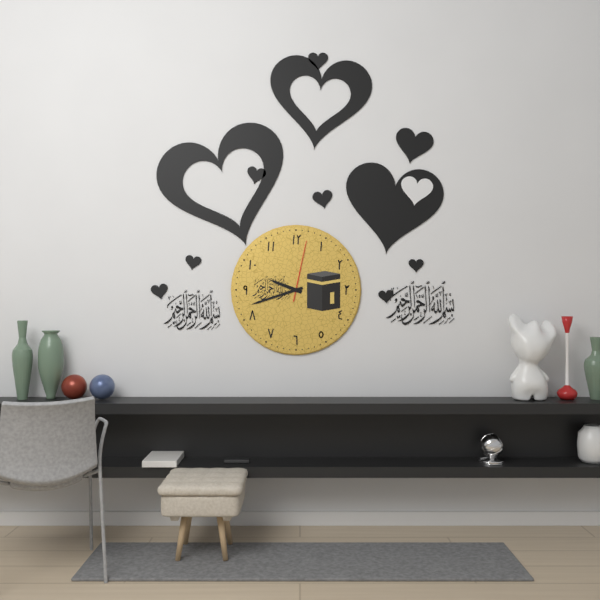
9:42:02
